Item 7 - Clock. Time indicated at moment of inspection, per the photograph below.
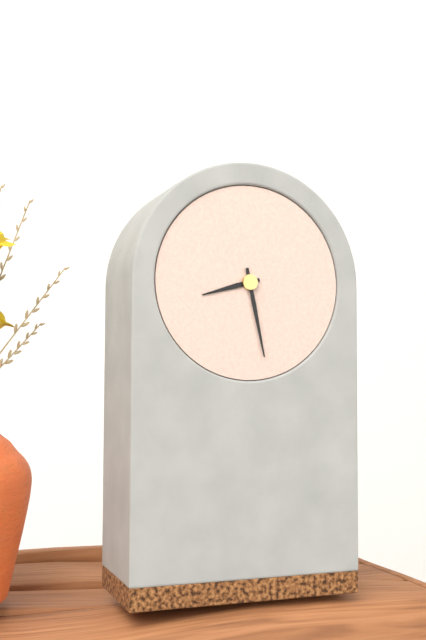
8:28
